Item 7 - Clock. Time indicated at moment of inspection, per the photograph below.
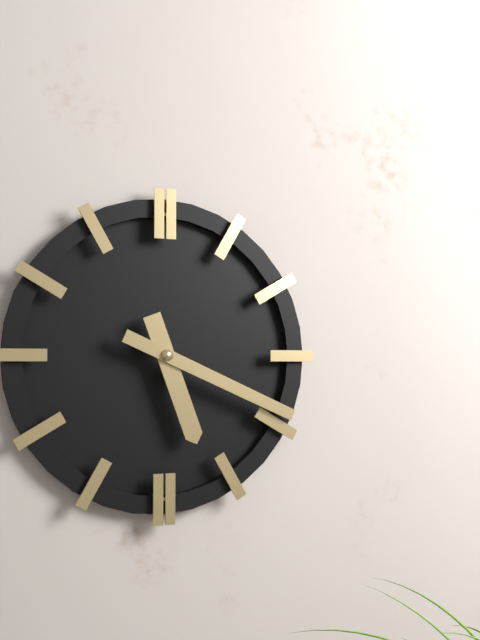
5:19
